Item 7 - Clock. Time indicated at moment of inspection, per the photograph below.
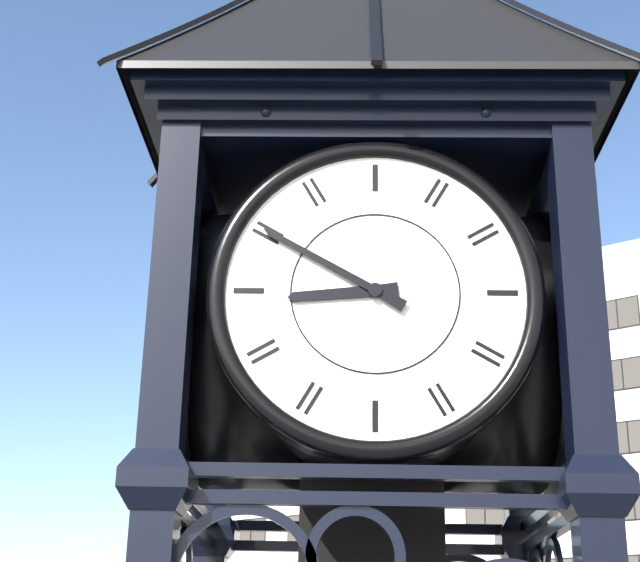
8:50
